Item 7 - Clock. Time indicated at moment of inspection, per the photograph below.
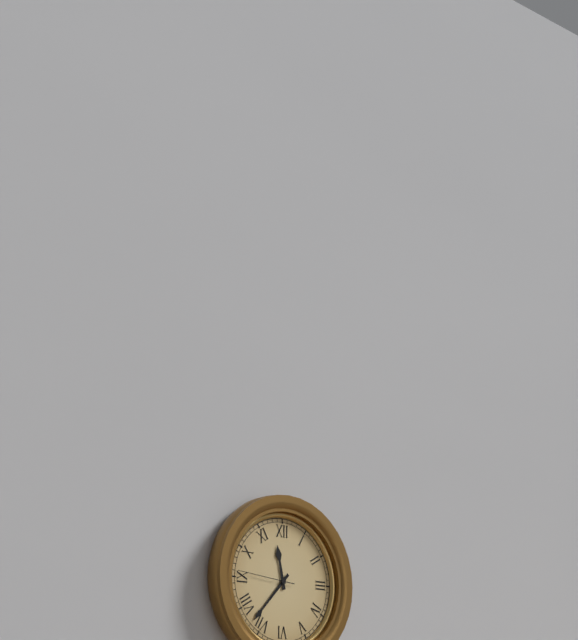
11:37:46
